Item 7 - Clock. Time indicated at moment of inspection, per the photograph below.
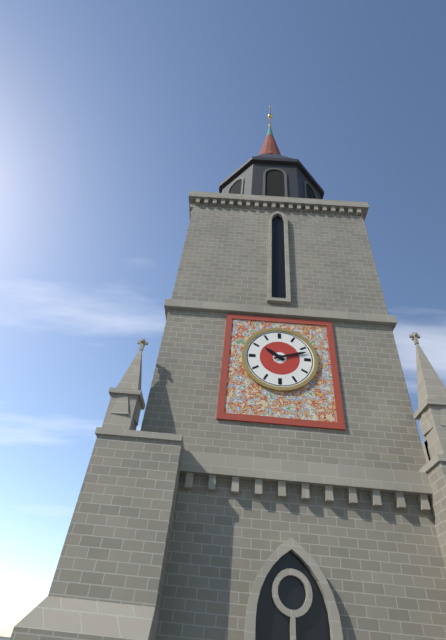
10:12
